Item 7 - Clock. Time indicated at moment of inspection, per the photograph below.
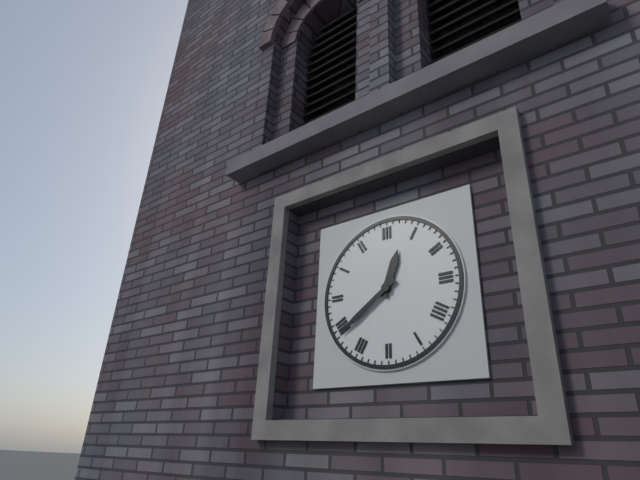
12:39
